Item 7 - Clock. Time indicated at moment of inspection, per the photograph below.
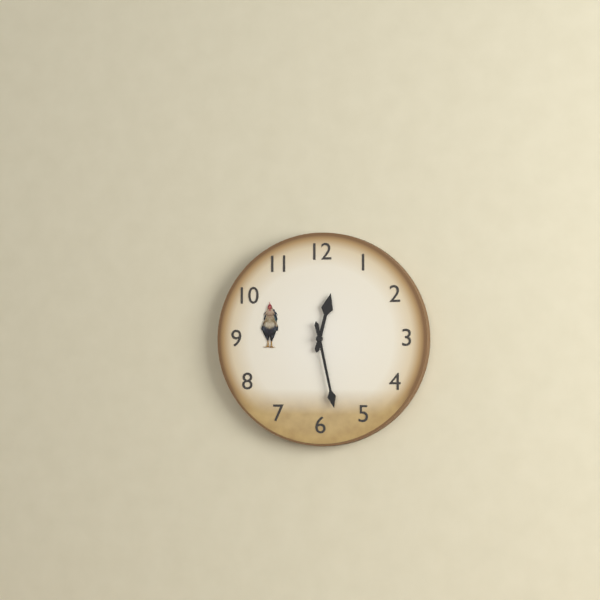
12:28
